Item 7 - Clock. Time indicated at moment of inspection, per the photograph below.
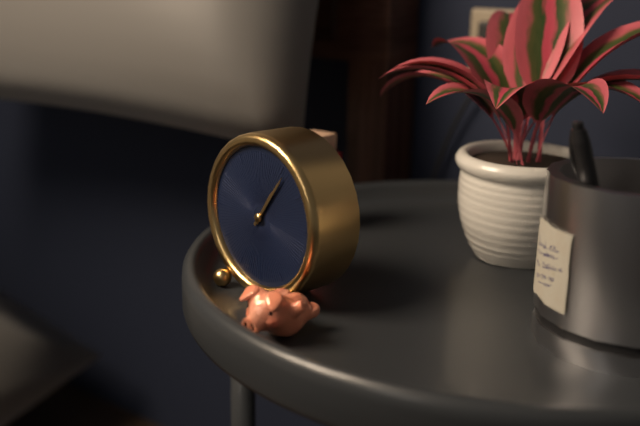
1:06
